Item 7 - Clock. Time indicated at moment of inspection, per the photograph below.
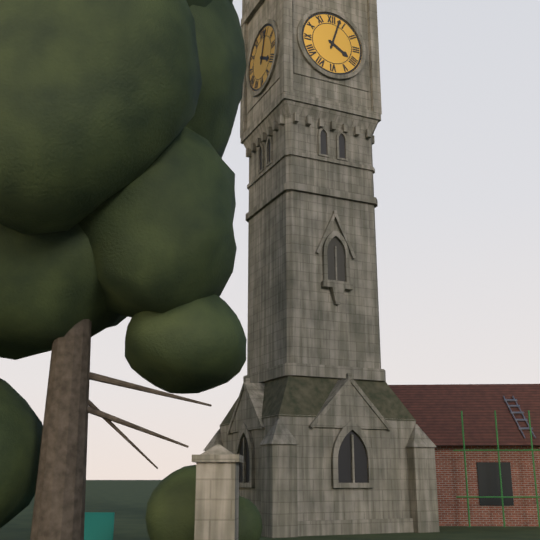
4:03
